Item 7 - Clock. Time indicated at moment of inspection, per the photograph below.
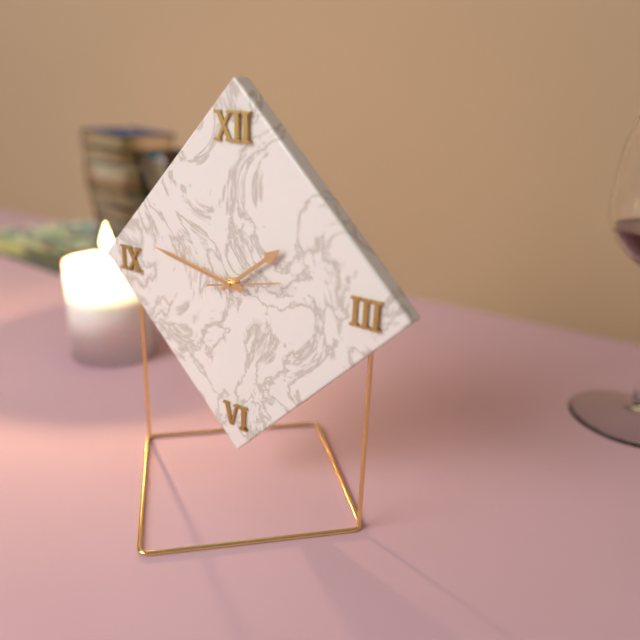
1:47:13
